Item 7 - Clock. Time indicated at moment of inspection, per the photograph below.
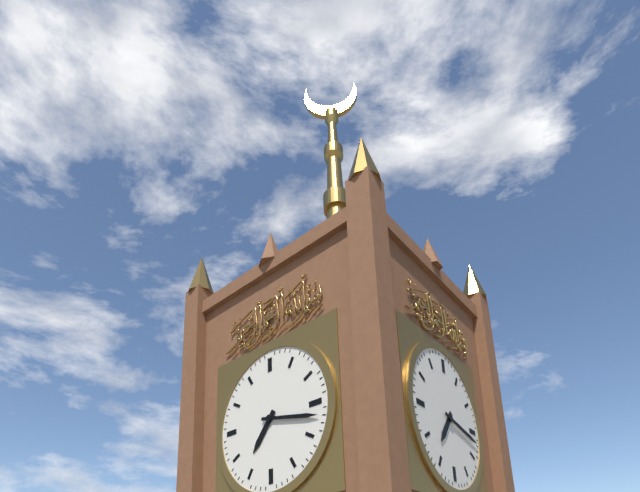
7:17
